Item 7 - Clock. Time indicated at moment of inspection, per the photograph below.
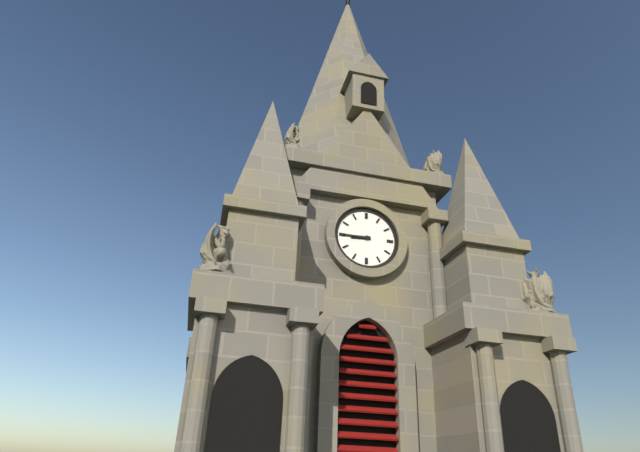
8:45
